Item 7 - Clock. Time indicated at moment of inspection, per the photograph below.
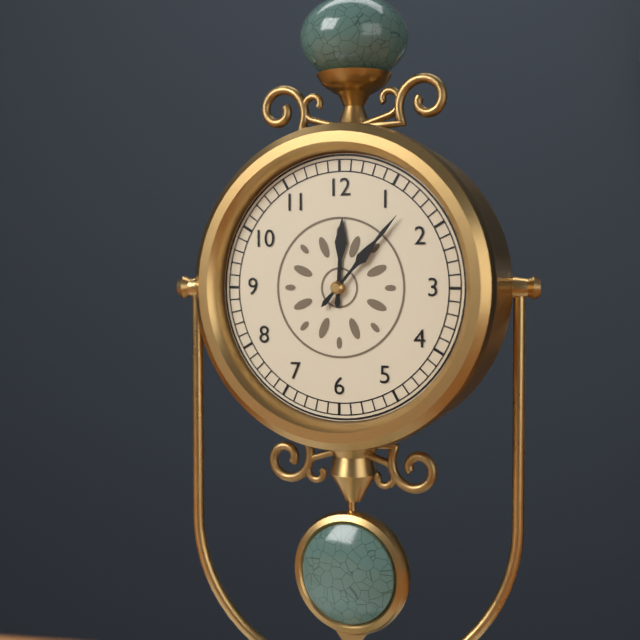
12:07
